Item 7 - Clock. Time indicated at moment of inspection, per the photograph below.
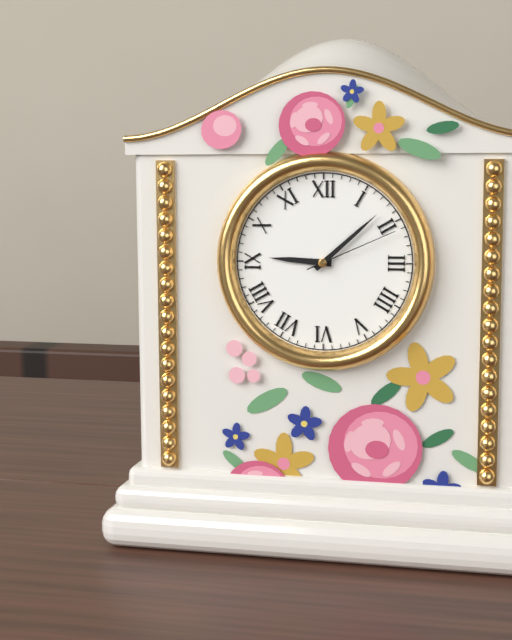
9:08:11
